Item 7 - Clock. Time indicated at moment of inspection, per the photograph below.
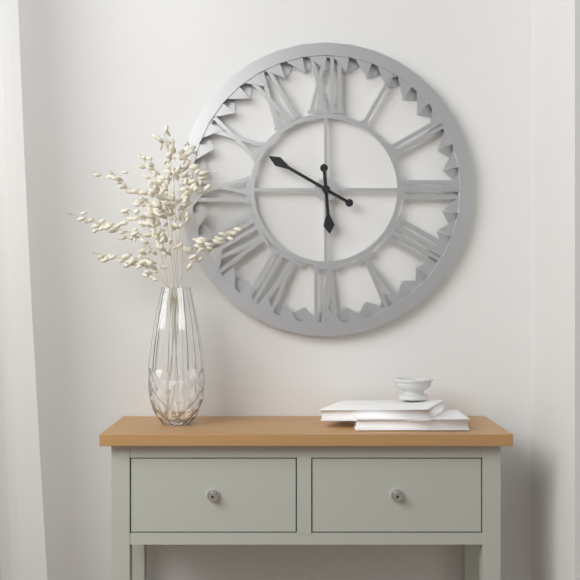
5:50
